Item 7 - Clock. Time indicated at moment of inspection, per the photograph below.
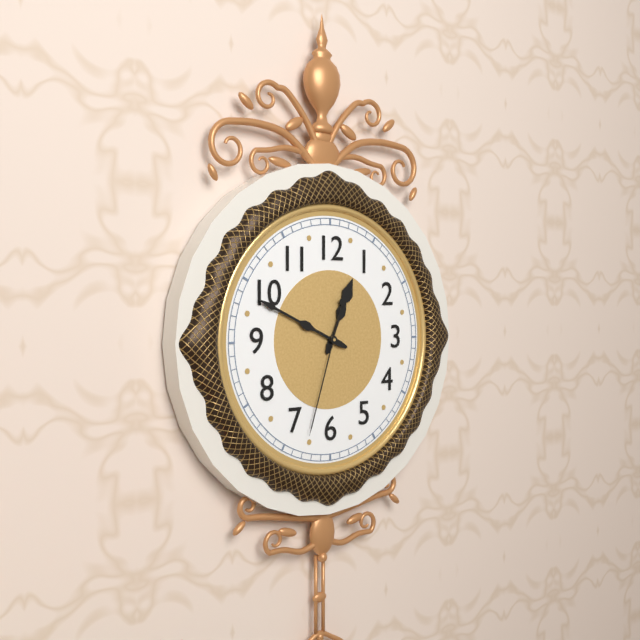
12:49:33
